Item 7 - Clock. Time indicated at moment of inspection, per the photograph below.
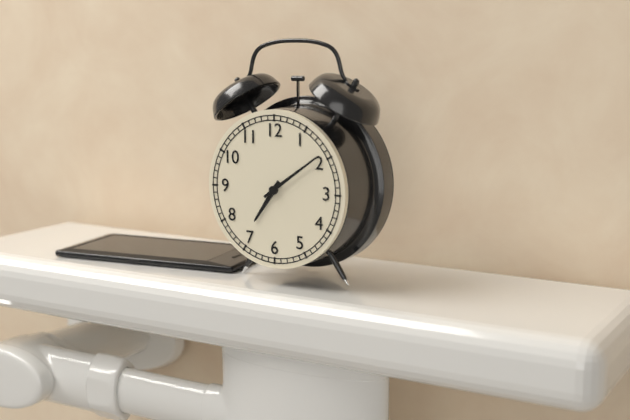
7:09
